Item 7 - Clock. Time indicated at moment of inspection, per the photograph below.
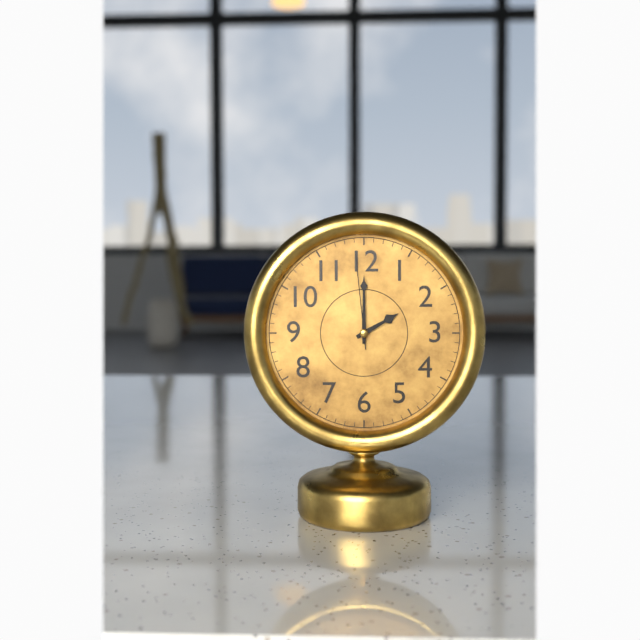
2:00:59
